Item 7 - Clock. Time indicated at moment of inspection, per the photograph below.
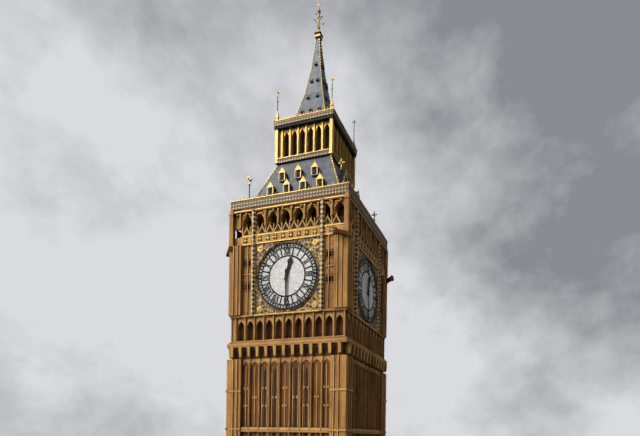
12:30
